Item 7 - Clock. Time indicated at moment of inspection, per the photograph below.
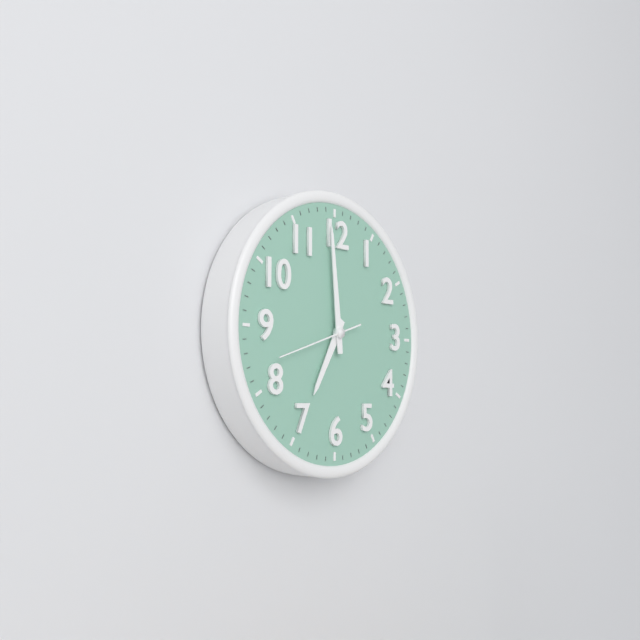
6:59:42
